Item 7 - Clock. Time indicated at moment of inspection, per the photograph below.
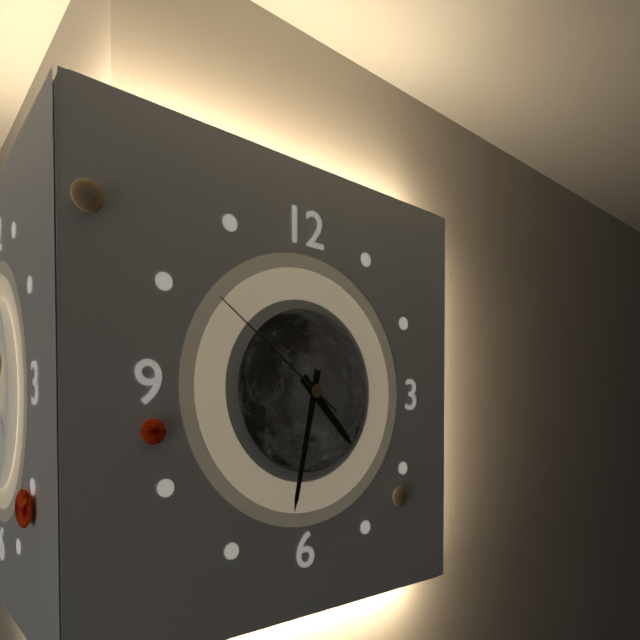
4:32:51
